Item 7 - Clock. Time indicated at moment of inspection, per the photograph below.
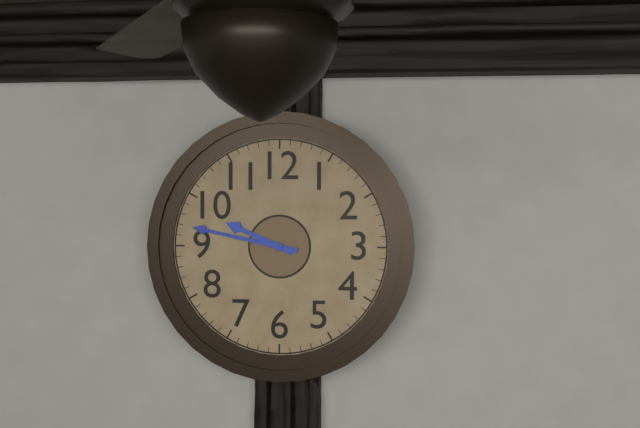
9:47
